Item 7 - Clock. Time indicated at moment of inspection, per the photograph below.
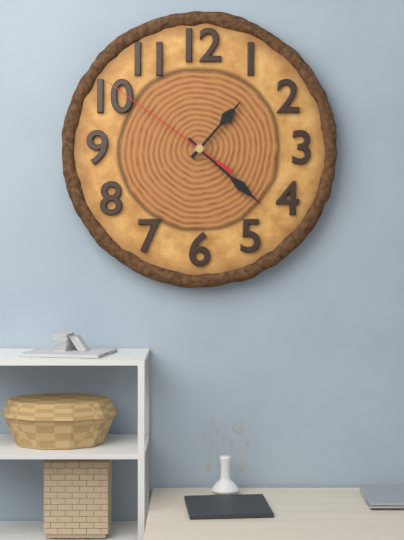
1:22:51
